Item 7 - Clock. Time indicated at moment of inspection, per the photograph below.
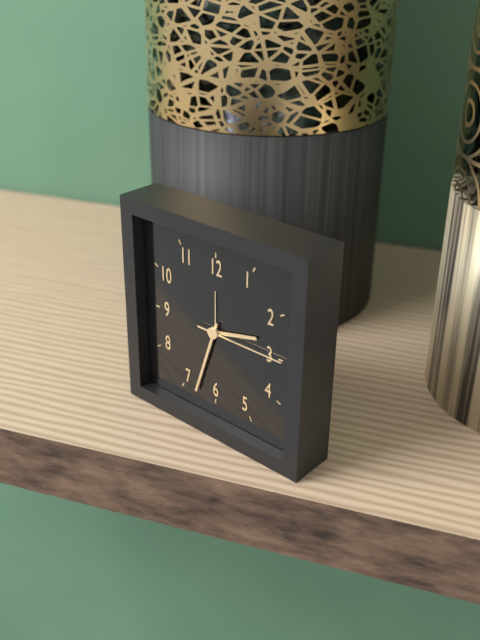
2:33:15
